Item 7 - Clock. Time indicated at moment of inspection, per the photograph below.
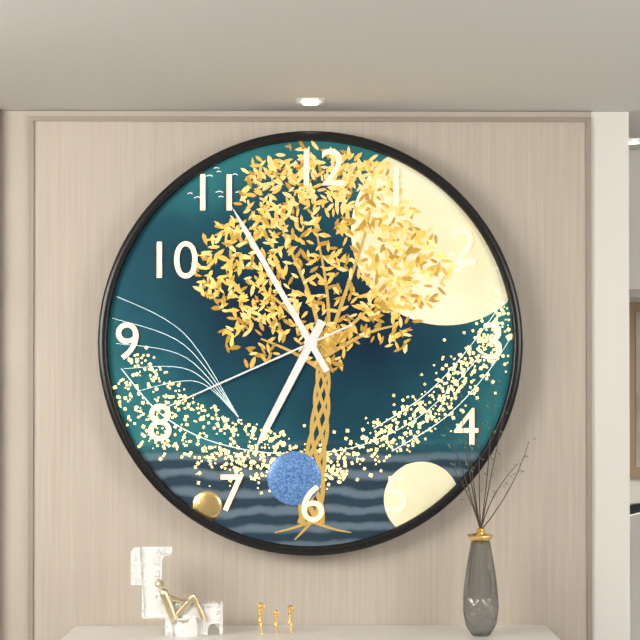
6:55:41
